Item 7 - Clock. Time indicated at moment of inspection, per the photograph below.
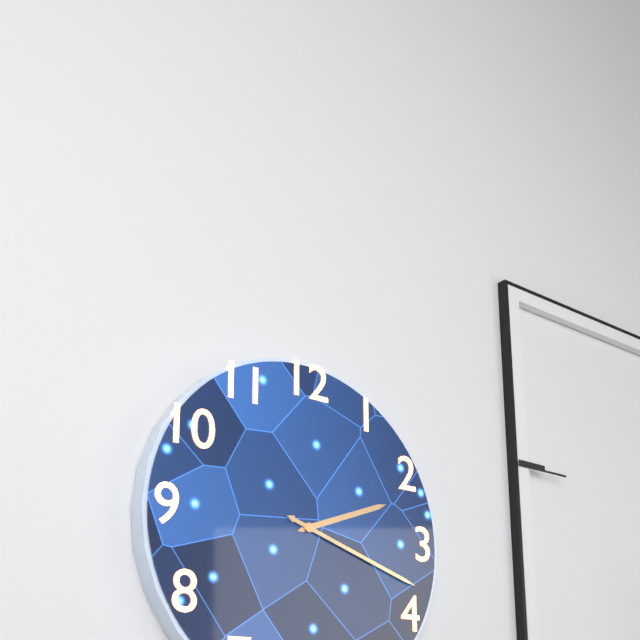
2:18
